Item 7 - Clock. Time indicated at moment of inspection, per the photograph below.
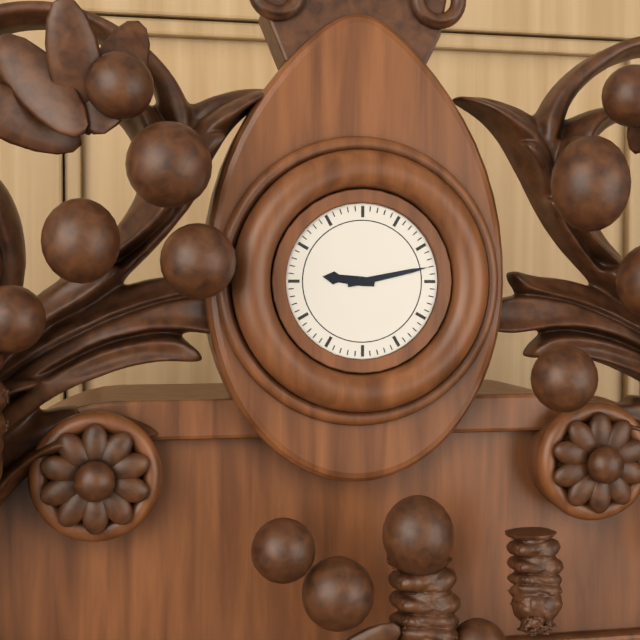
9:13
